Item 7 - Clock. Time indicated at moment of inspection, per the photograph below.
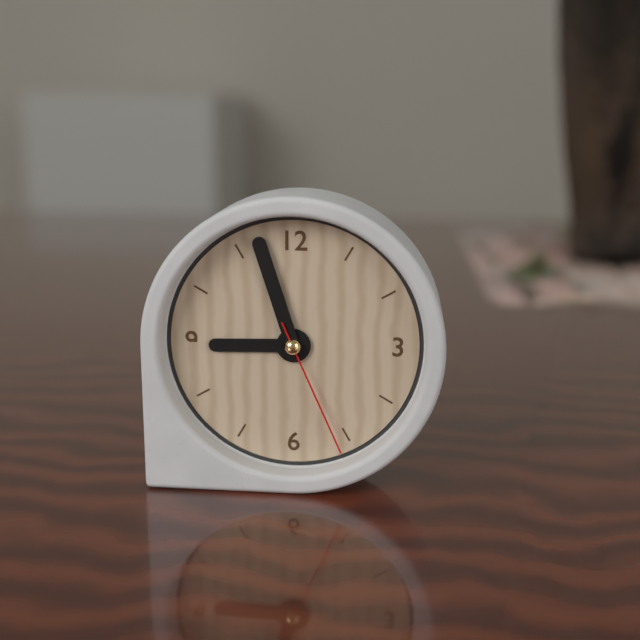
8:57:26
